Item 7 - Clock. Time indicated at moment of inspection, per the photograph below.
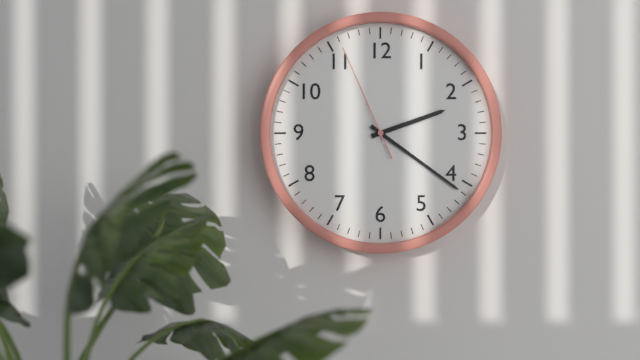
2:21:56
